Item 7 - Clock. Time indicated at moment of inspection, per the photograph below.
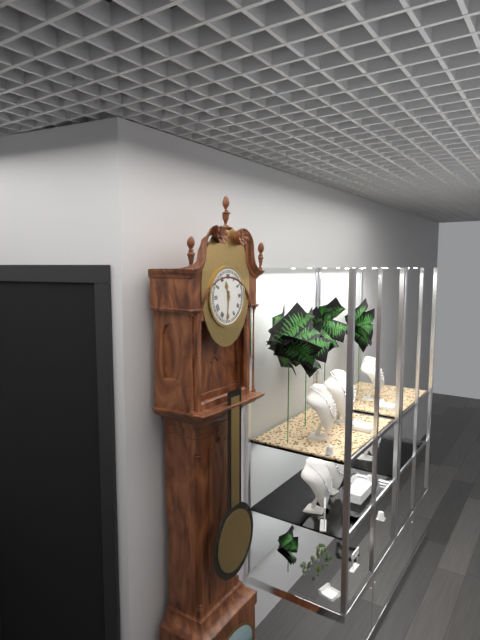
11:31
